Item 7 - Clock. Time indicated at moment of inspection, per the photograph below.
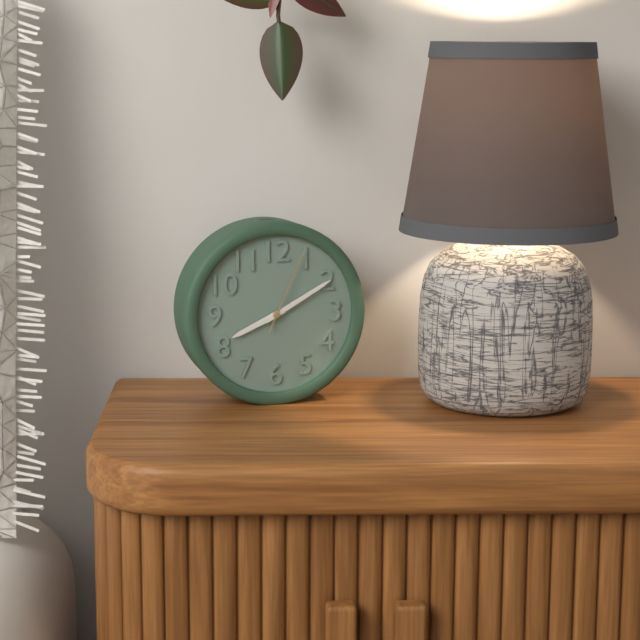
8:10:04
